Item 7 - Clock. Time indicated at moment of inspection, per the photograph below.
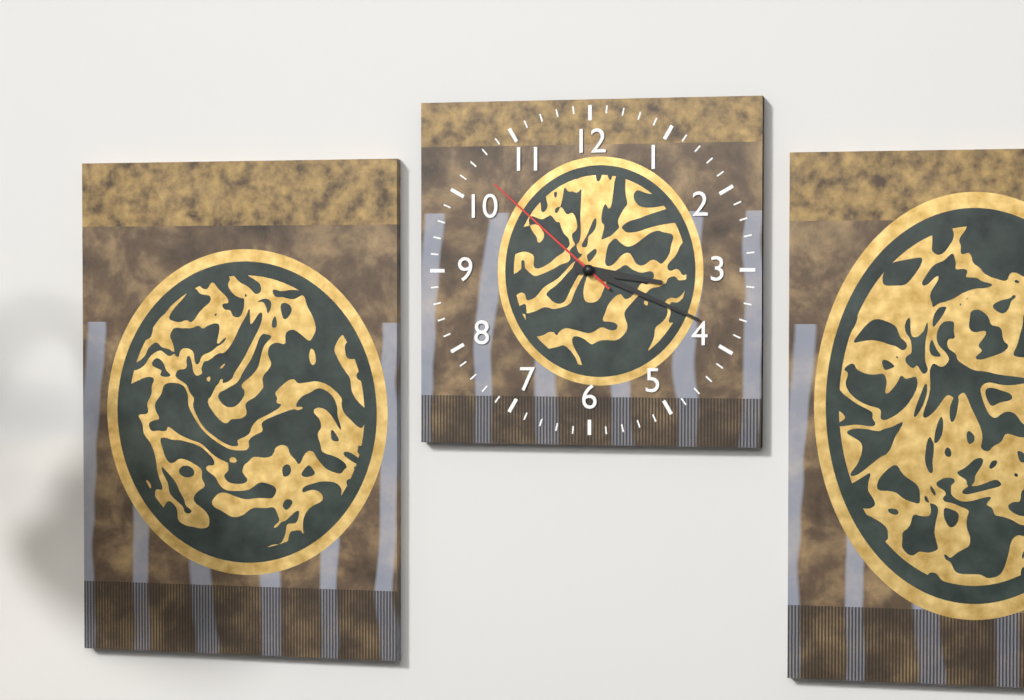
3:19:52
